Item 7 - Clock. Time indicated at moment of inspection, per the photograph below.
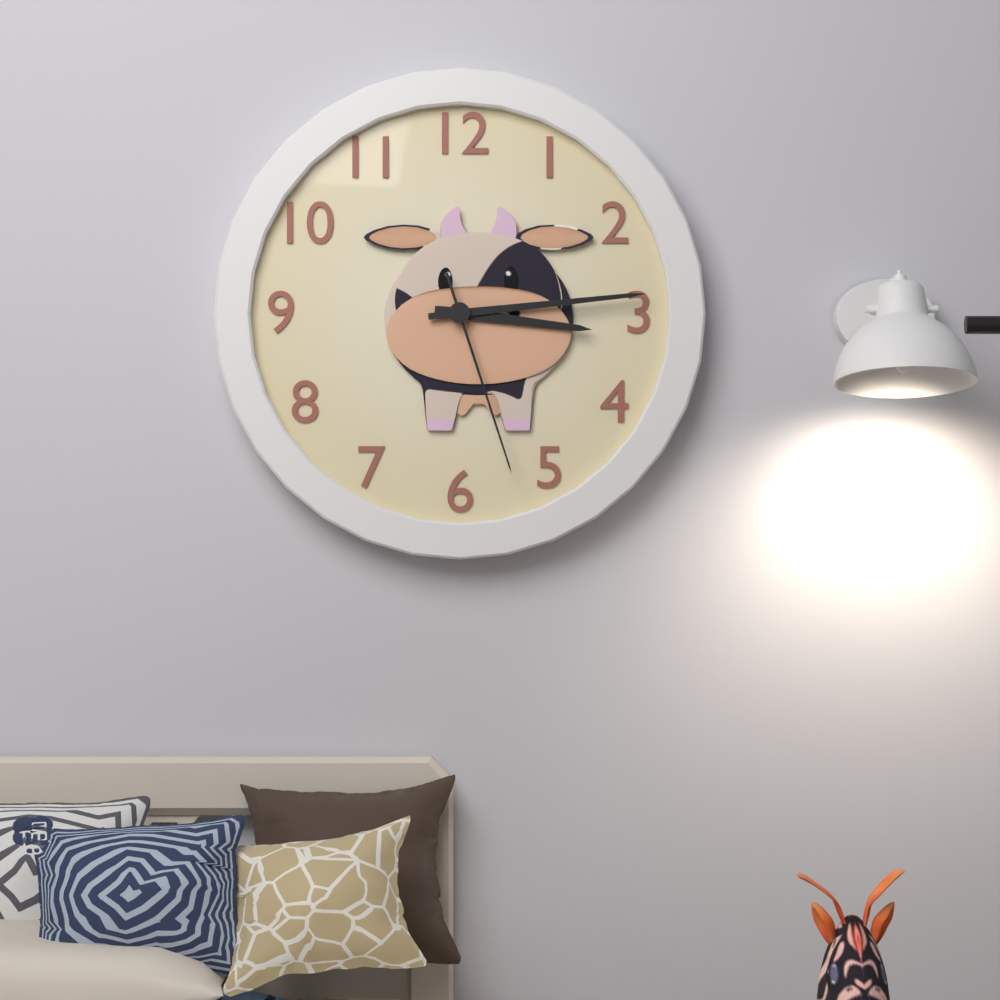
3:14:27
